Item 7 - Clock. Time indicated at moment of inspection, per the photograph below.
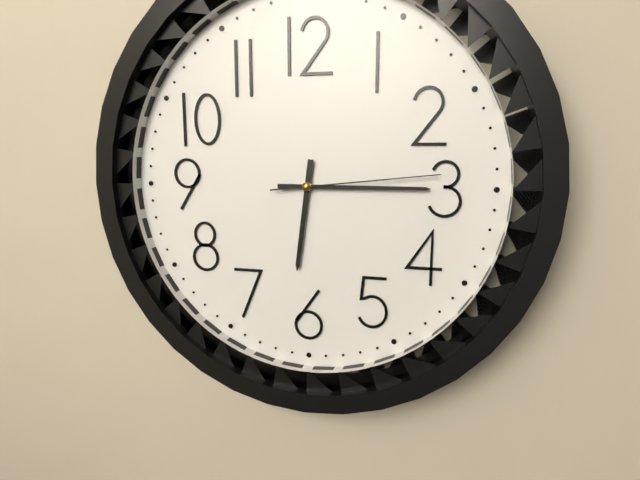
6:15:14
